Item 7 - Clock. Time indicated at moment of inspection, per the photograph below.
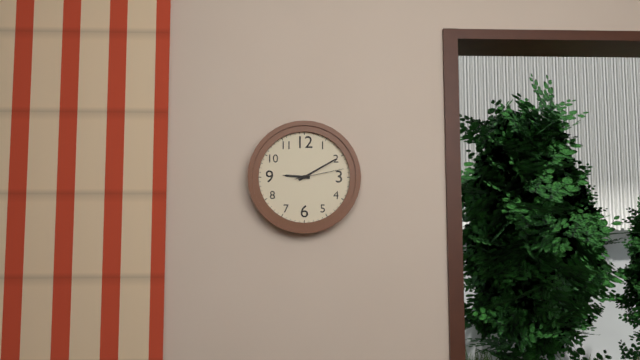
9:10
